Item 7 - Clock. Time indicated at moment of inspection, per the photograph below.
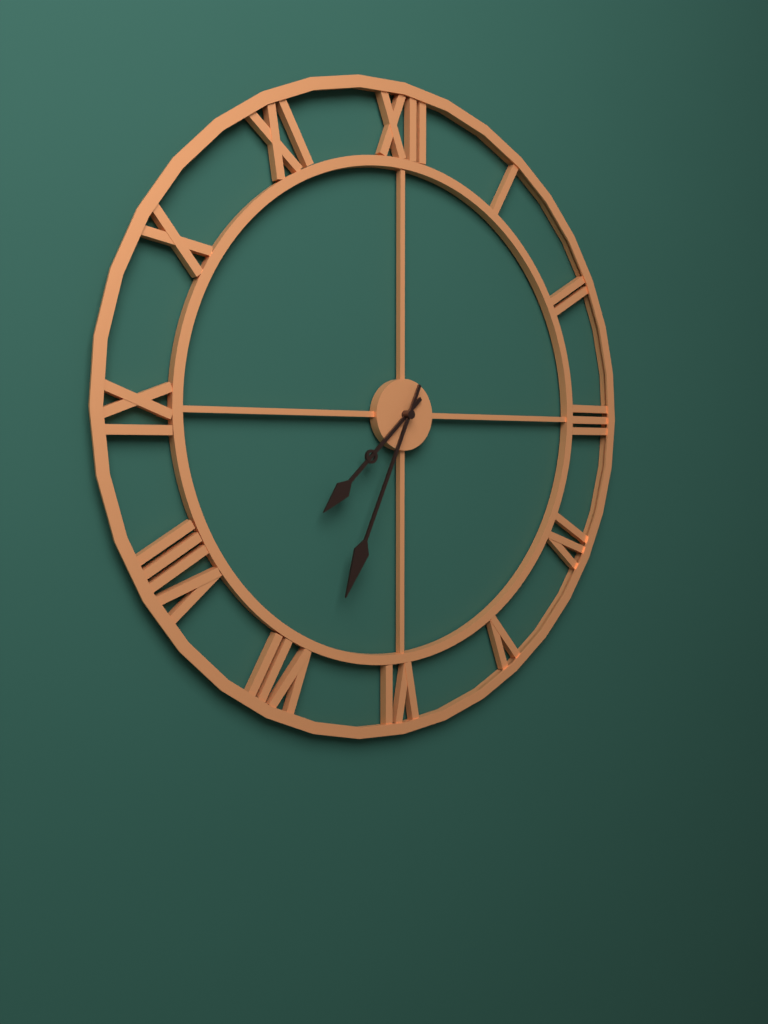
7:34
